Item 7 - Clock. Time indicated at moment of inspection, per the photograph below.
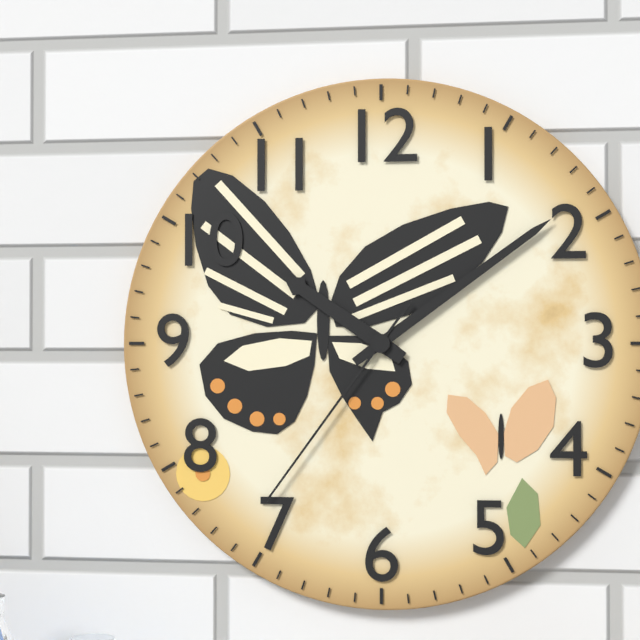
10:09:36
